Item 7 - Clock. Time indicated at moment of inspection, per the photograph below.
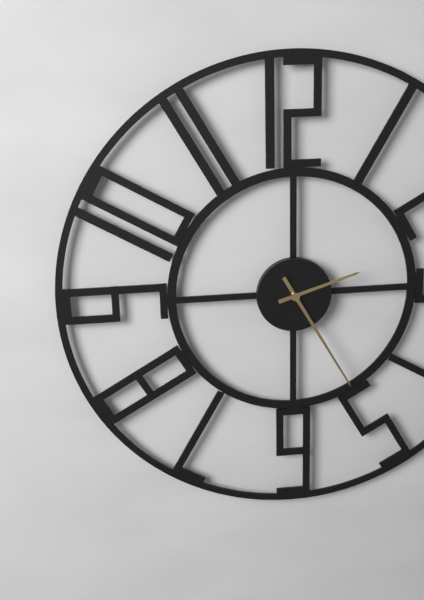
2:25
